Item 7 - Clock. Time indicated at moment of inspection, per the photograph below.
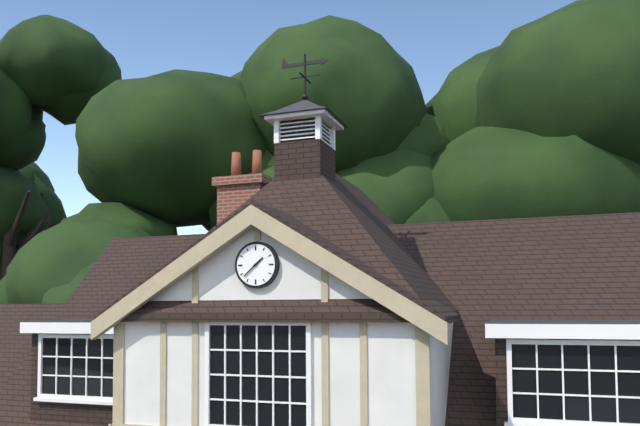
1:38
